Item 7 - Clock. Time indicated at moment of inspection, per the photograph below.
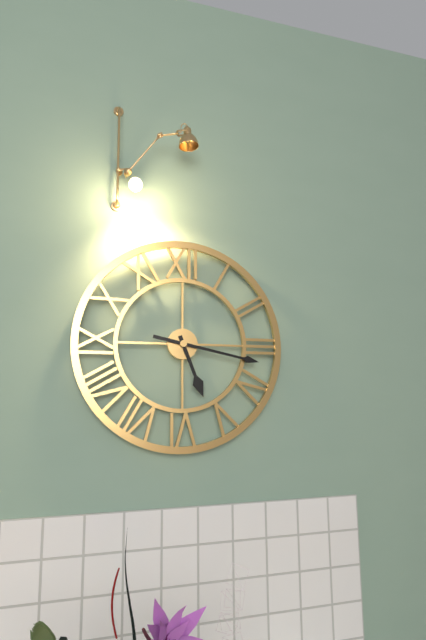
5:17
